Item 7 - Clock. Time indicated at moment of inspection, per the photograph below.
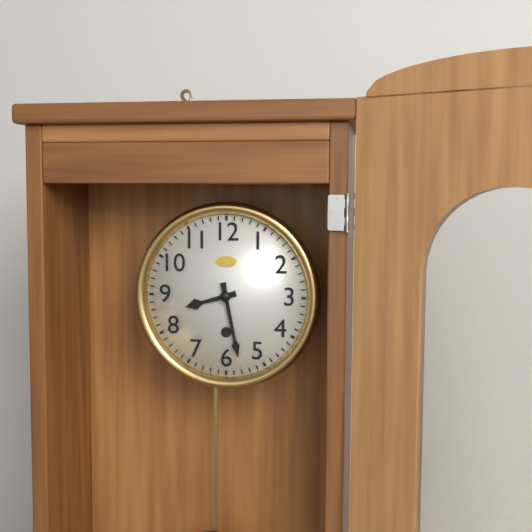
8:28
